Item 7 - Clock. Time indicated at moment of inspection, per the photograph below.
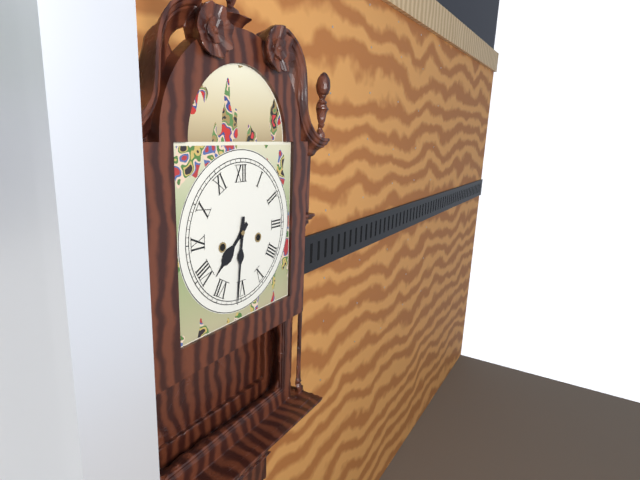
7:31
